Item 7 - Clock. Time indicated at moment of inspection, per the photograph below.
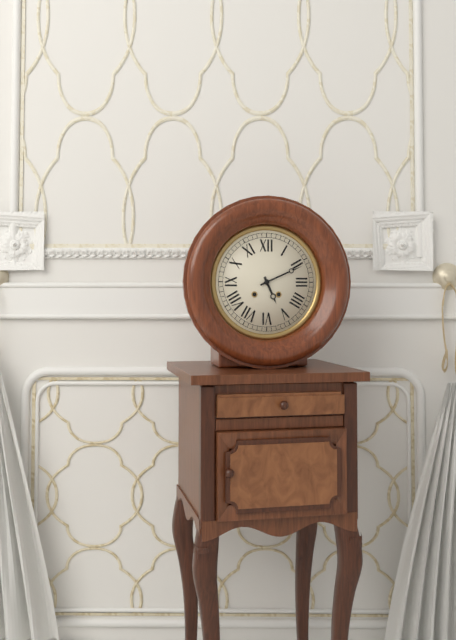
5:11
